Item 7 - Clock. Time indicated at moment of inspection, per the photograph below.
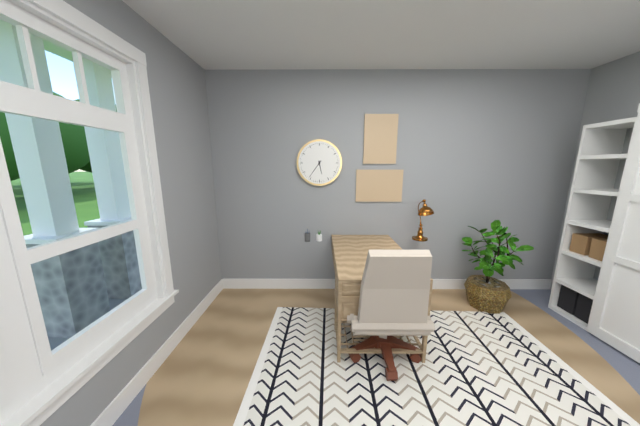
5:36
